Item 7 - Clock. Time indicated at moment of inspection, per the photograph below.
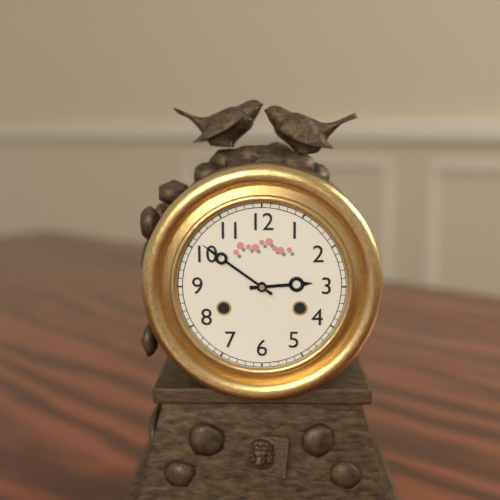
2:51
